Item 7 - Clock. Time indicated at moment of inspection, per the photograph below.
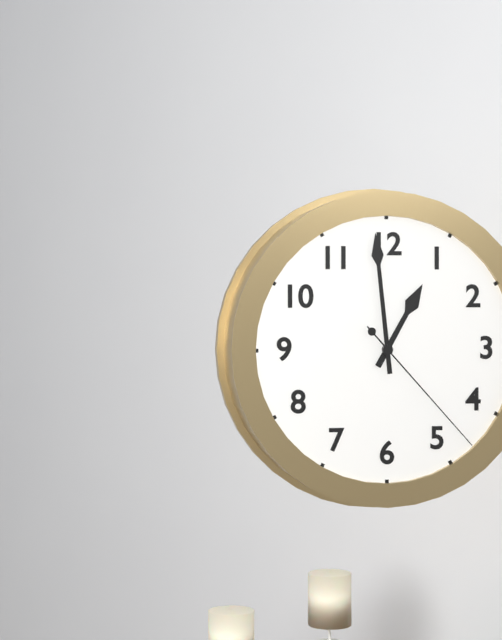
12:59:23
